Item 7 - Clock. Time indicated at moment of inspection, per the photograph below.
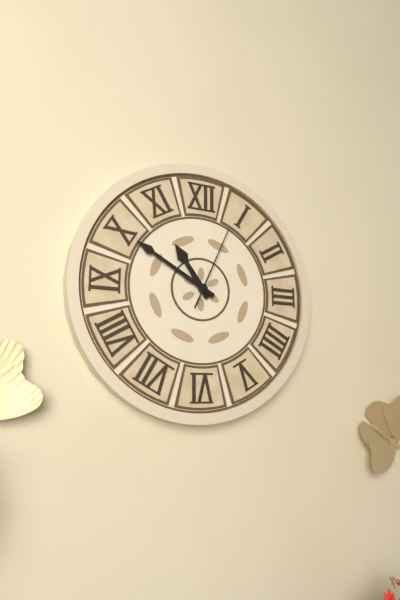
10:50:04
